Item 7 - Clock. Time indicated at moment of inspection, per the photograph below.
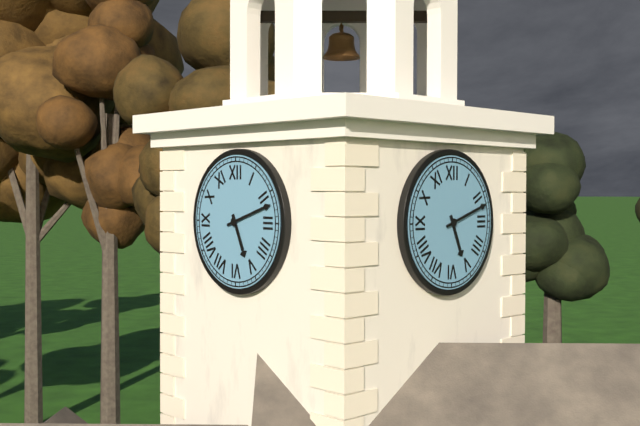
5:12
